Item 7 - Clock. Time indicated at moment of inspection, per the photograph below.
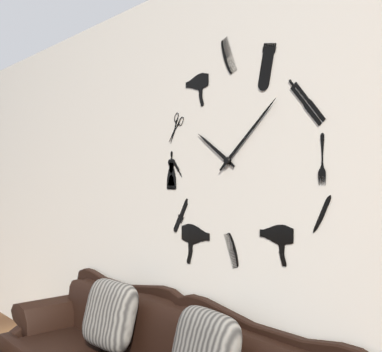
10:08
